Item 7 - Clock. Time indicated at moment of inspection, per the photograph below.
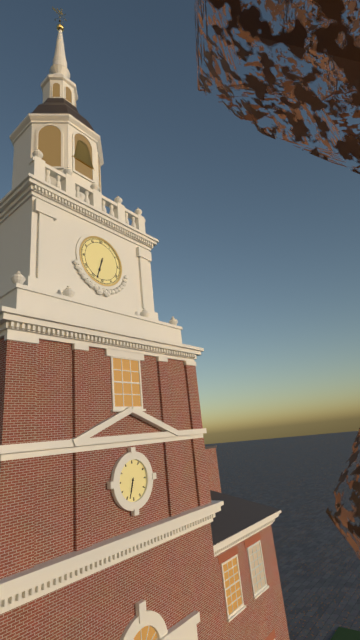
6:33
